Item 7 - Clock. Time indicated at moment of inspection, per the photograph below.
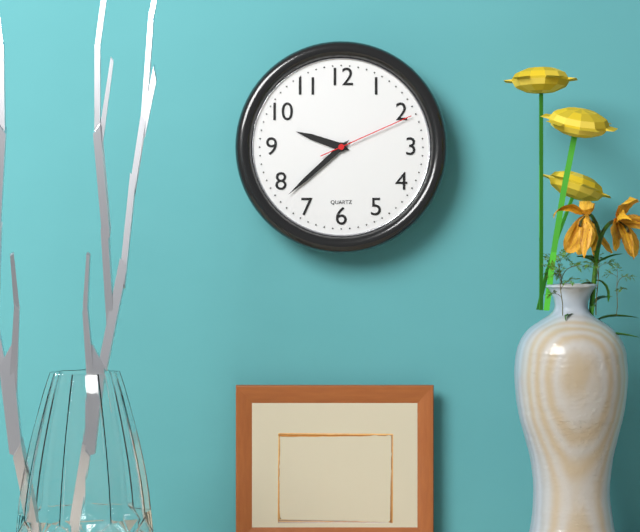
9:38:11
